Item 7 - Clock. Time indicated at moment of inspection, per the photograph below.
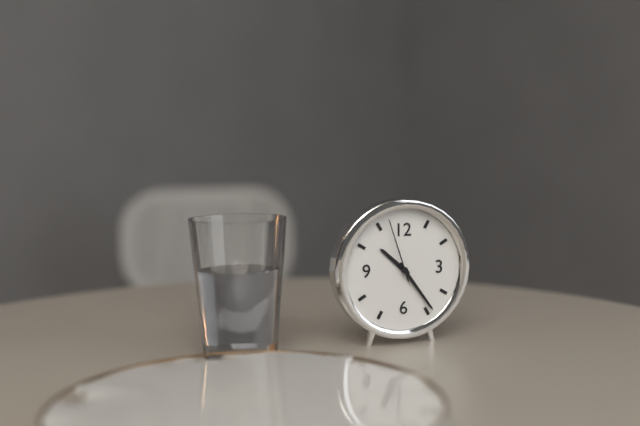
10:24:57
